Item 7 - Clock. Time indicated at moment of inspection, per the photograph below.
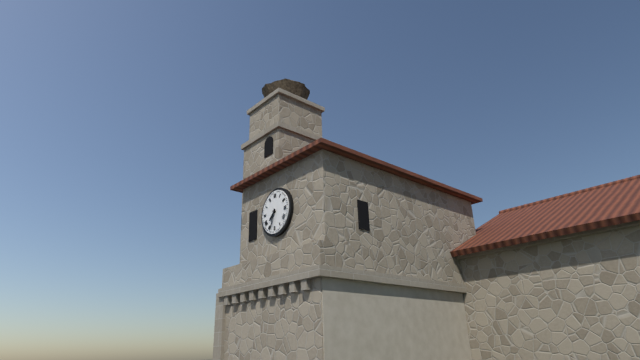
7:33
